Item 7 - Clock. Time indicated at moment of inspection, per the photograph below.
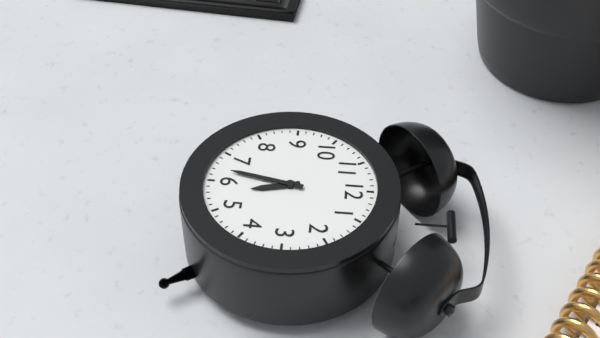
5:32
